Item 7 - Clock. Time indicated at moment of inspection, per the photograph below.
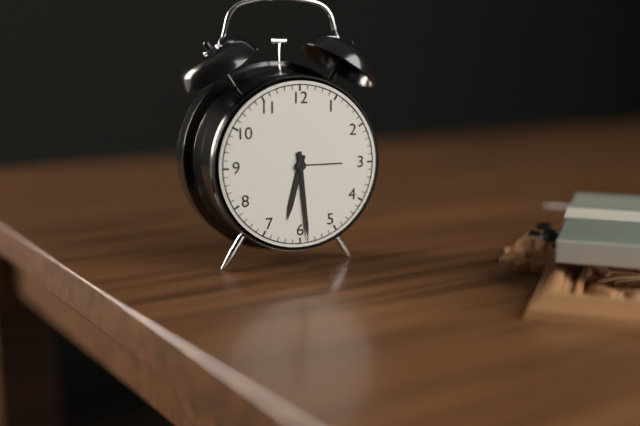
6:29
